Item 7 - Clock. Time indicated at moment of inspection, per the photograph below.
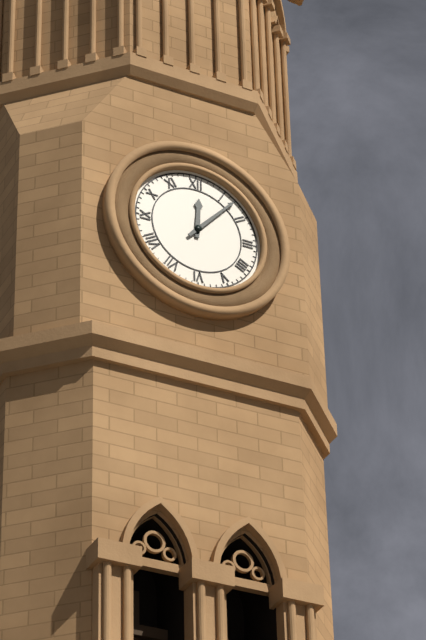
12:07
